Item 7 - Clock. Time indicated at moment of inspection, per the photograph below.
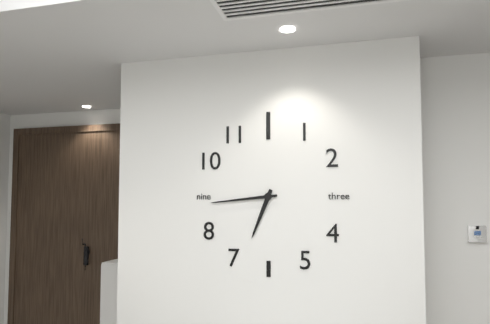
6:44
